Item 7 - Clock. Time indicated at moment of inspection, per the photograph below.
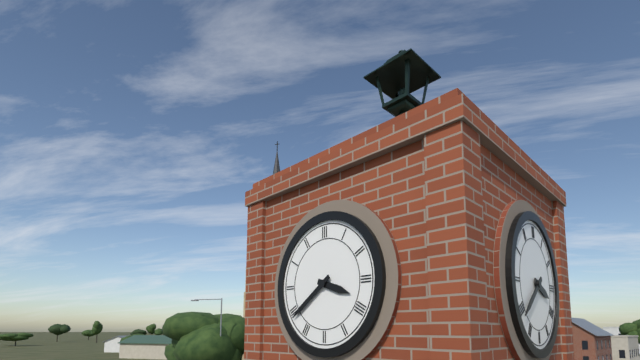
3:39
